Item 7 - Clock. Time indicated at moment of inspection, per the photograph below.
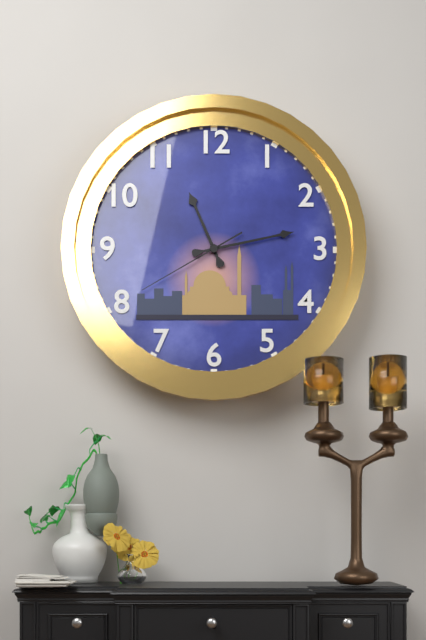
11:13:40
